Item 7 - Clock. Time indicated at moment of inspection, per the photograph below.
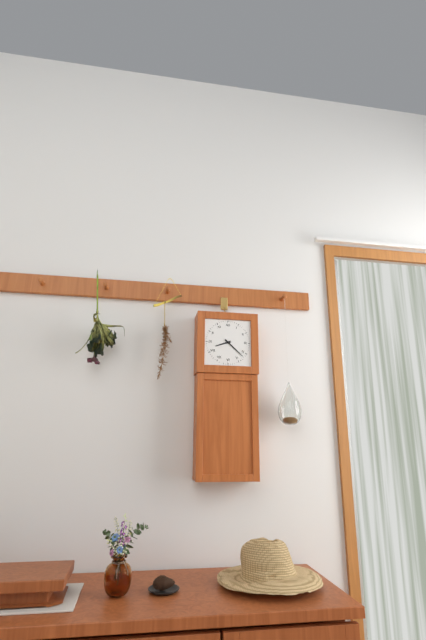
8:22
